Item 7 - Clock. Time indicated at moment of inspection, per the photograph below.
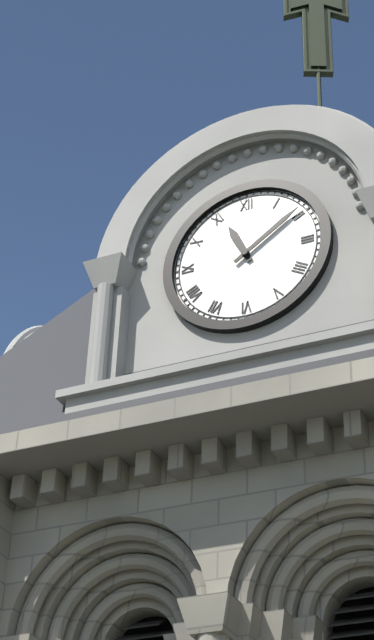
11:09
